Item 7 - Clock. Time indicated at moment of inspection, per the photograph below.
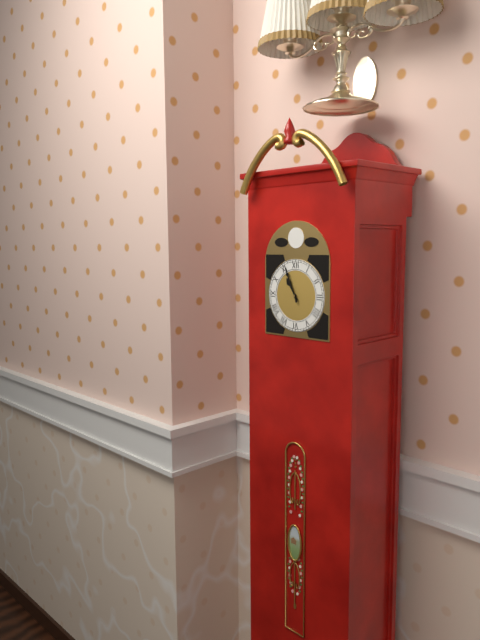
10:56
